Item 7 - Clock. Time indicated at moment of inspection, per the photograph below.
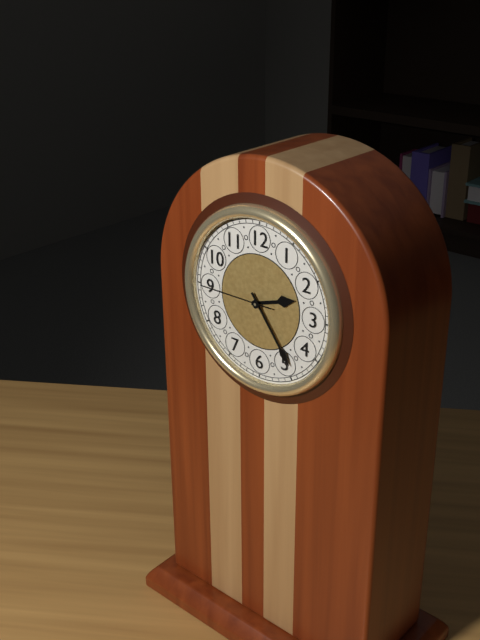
2:24:45
